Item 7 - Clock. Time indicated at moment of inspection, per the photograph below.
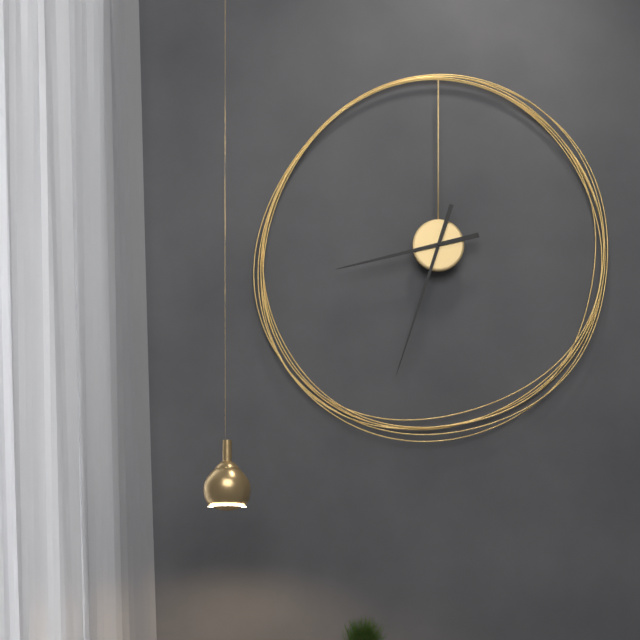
8:33
